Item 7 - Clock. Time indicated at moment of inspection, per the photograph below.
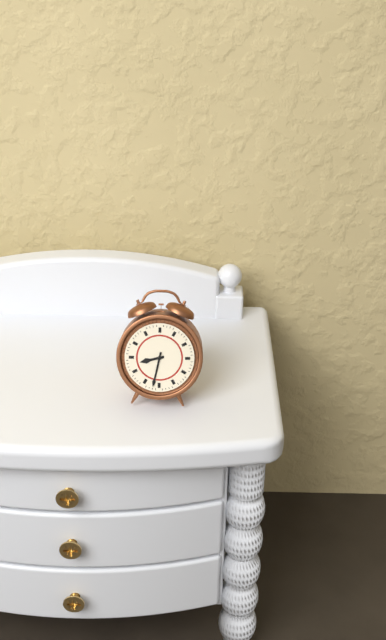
8:32
